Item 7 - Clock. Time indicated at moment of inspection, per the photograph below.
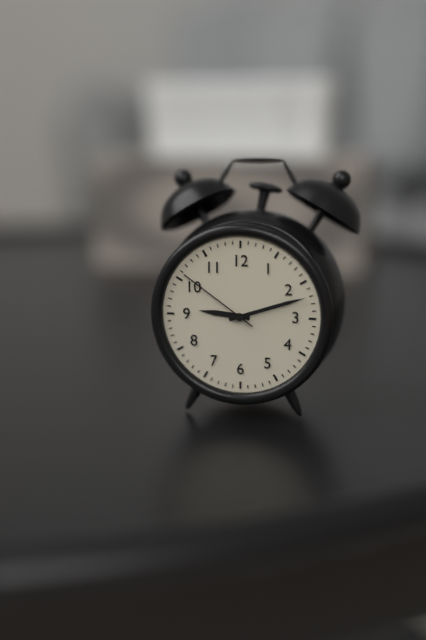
9:12:51
